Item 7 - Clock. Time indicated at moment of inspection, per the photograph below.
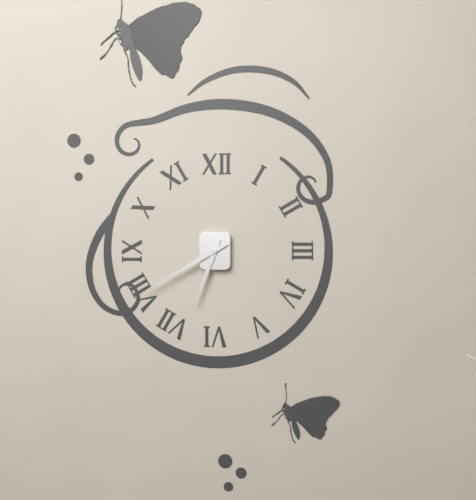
6:40
